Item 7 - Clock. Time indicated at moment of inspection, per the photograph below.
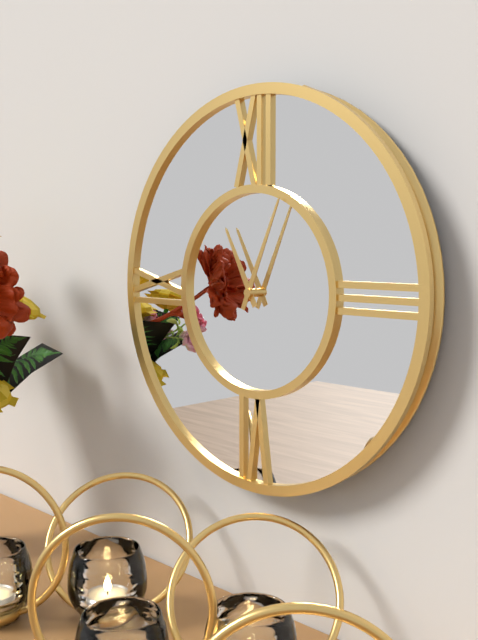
11:04
